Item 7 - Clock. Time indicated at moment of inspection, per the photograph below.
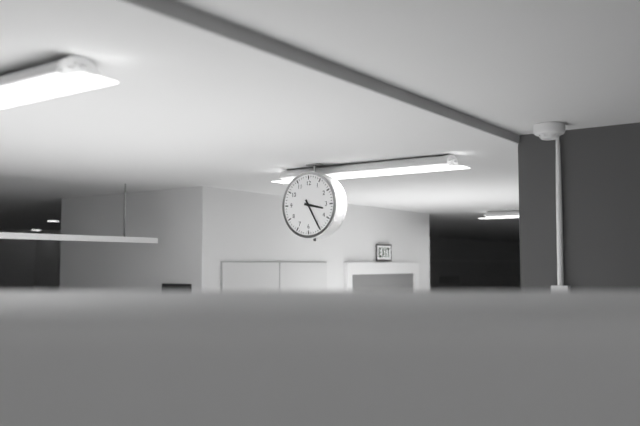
3:25
